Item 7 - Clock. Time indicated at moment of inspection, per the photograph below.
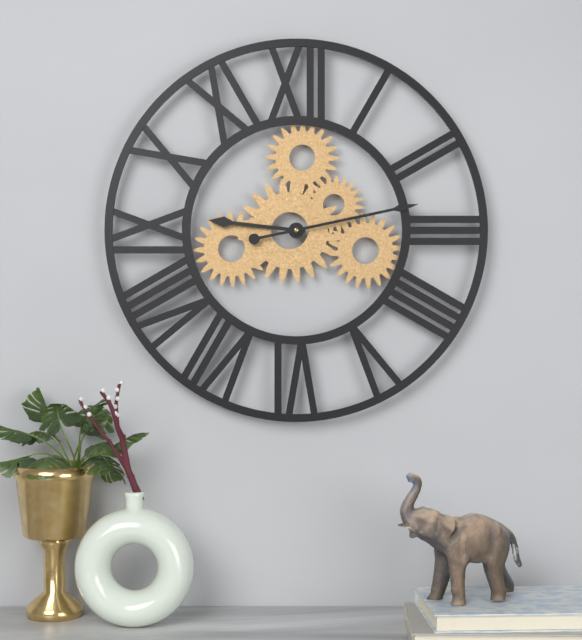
9:13
